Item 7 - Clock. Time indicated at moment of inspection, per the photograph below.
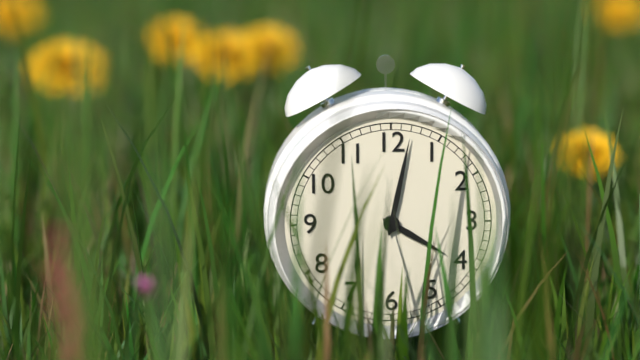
4:02
